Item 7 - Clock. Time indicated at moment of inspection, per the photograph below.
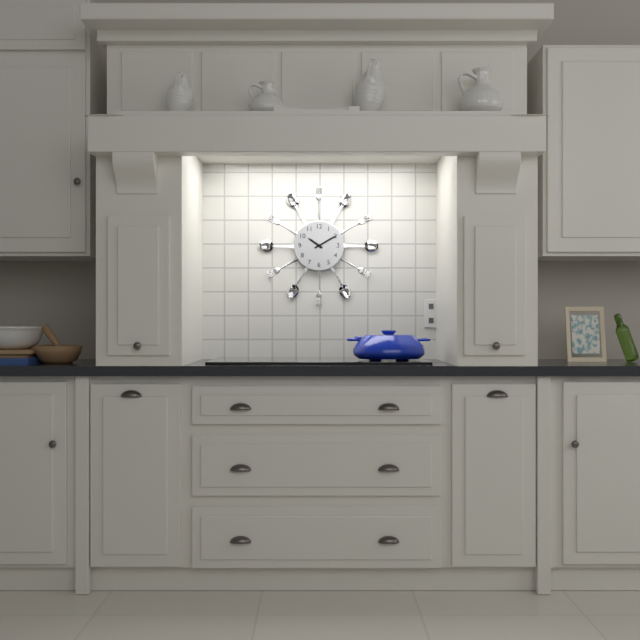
10:10
